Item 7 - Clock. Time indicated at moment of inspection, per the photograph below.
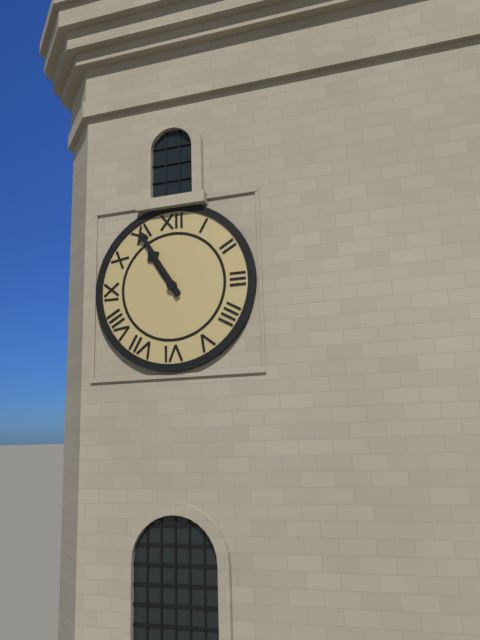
10:55
